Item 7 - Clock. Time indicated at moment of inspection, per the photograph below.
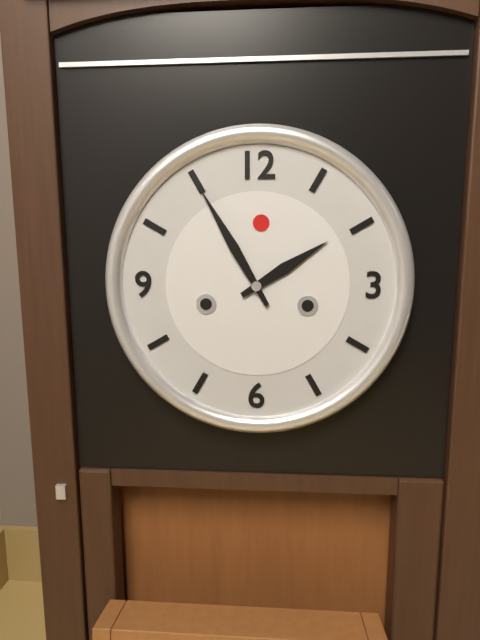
1:55
